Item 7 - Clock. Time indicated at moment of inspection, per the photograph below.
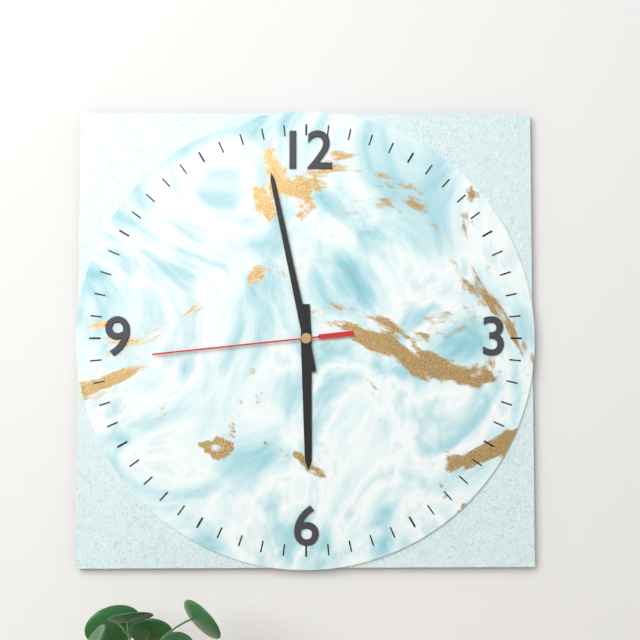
5:58:44
